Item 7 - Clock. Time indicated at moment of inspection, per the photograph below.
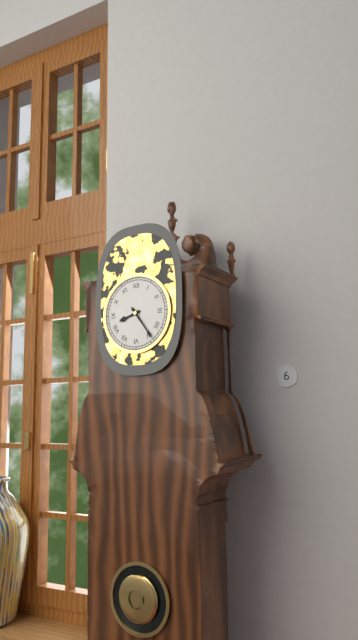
8:24
